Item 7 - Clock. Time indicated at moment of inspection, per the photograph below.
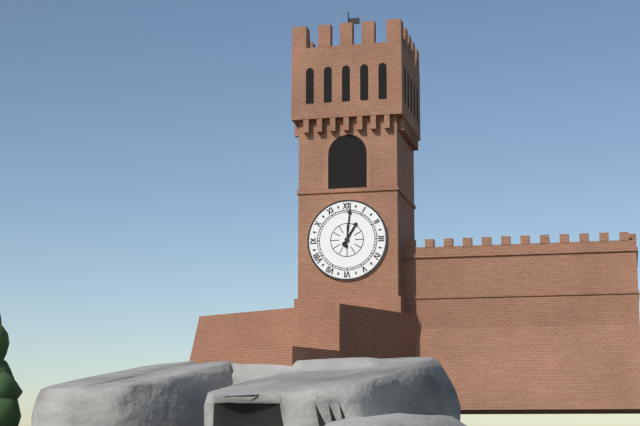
1:01
